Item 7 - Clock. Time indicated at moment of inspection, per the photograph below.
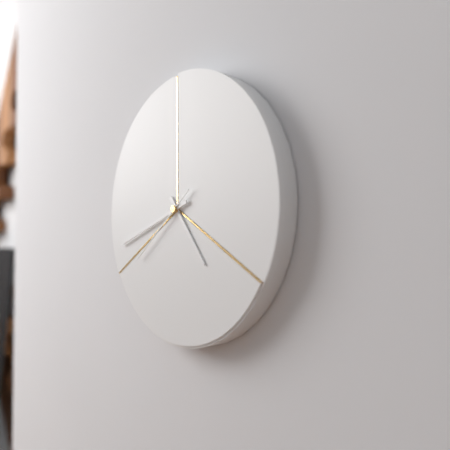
4:42:39
